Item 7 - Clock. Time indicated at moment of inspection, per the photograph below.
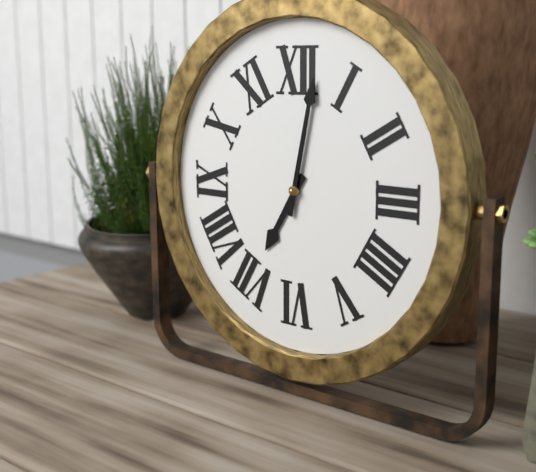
7:02
